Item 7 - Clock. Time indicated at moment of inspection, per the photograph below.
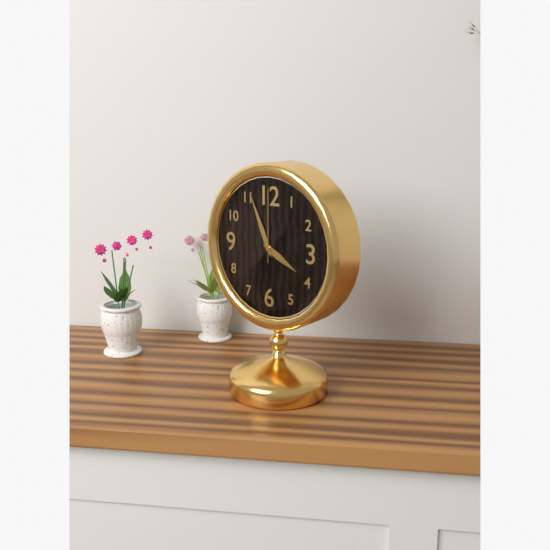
3:56:00
